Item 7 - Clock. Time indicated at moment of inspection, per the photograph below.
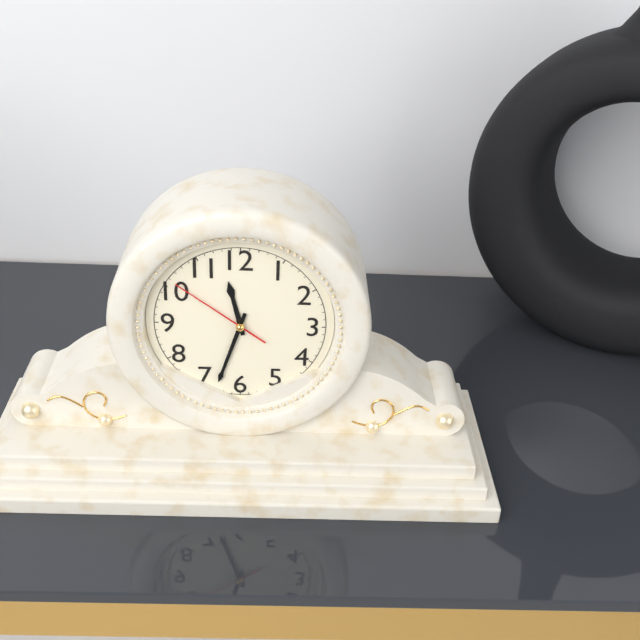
11:33:51
